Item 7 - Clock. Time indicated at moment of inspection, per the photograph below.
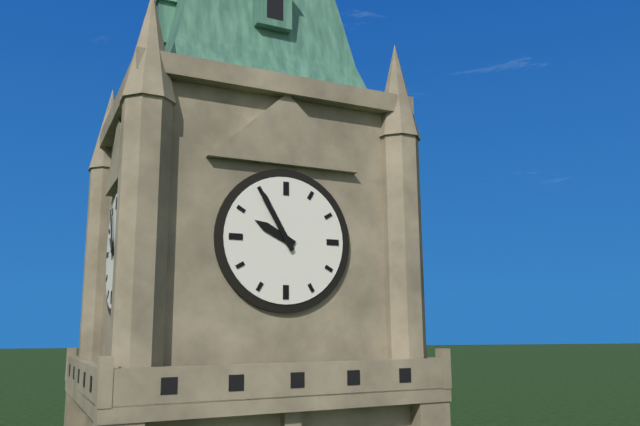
9:55
